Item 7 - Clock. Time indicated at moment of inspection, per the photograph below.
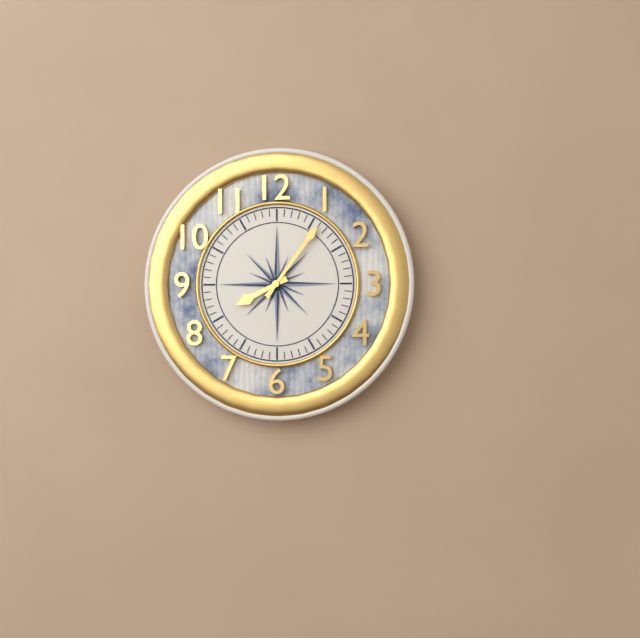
8:06
